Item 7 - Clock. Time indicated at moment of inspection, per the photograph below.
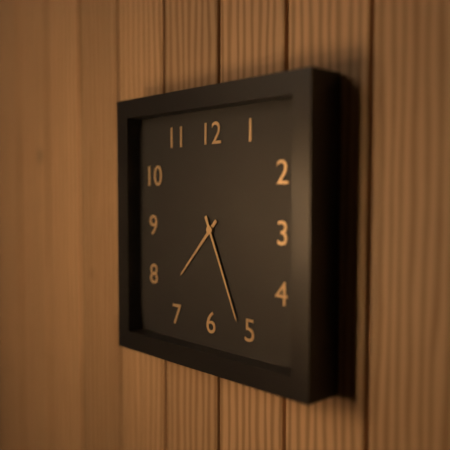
7:26
